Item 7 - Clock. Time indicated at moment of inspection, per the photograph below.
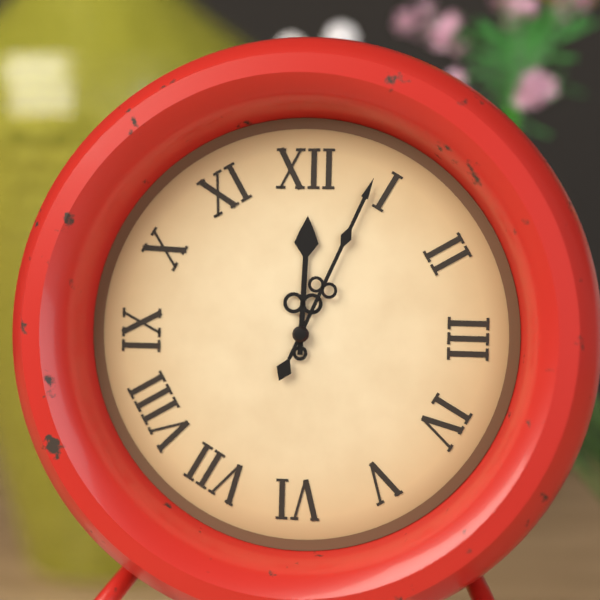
12:04
